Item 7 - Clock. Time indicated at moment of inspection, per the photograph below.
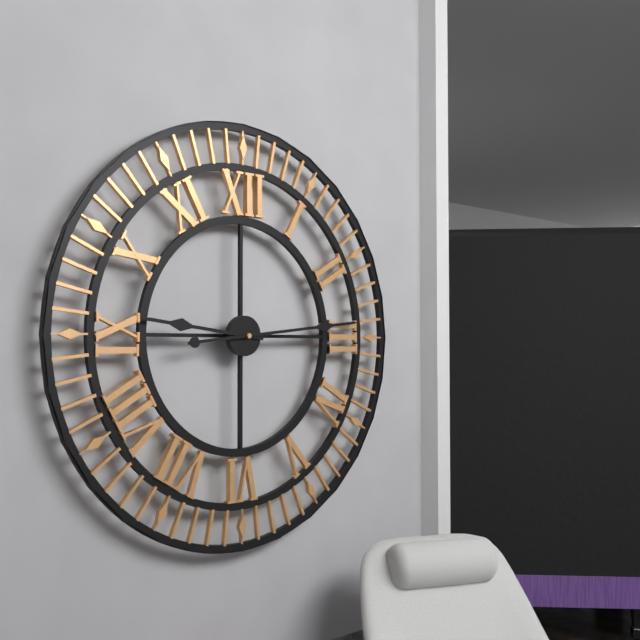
9:14
